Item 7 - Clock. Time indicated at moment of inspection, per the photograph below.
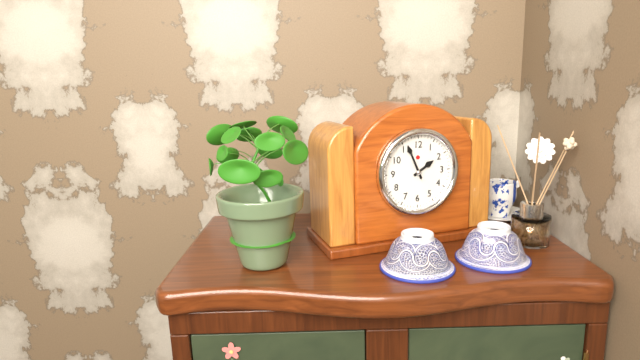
1:56
